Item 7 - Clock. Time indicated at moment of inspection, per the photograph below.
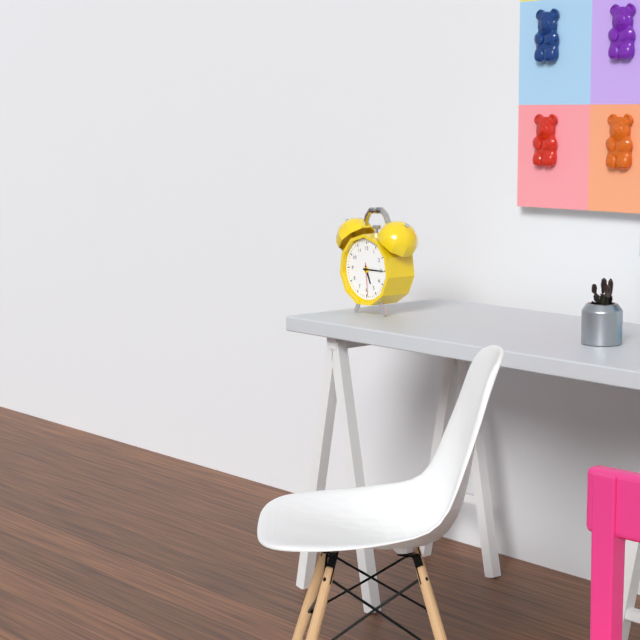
5:15
